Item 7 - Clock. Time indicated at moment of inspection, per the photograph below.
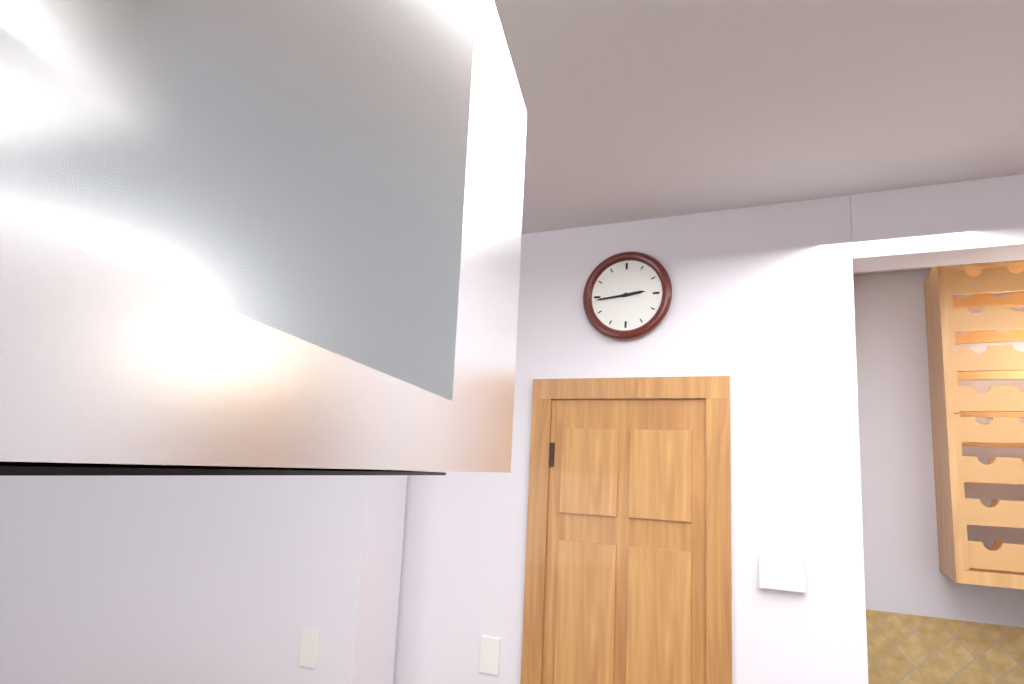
2:44
